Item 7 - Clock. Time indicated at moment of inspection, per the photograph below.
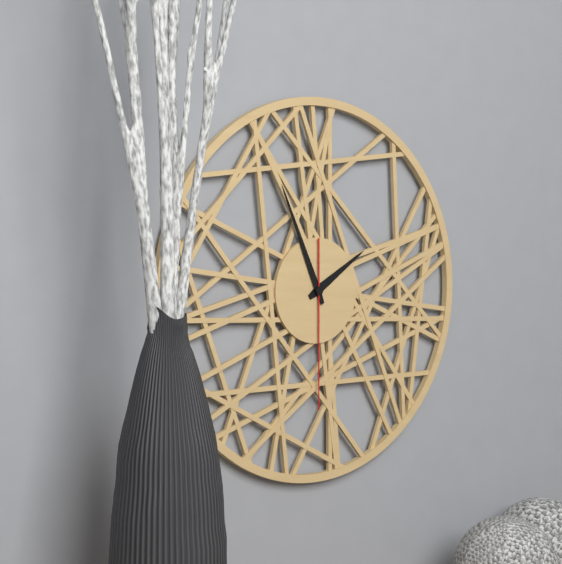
1:56:30
